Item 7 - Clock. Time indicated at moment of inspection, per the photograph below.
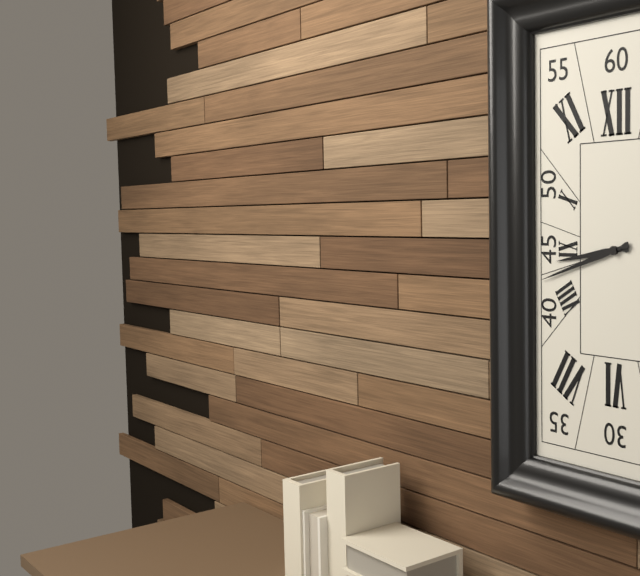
8:42
